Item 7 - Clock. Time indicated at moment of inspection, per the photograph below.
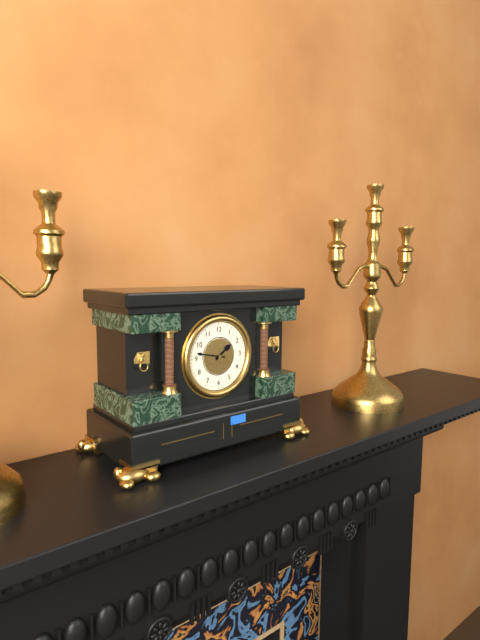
1:47
